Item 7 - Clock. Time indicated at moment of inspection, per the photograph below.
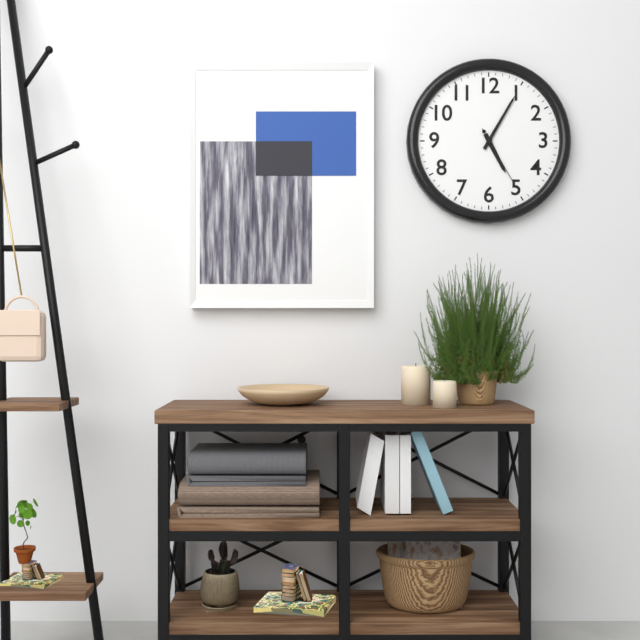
5:05:25
